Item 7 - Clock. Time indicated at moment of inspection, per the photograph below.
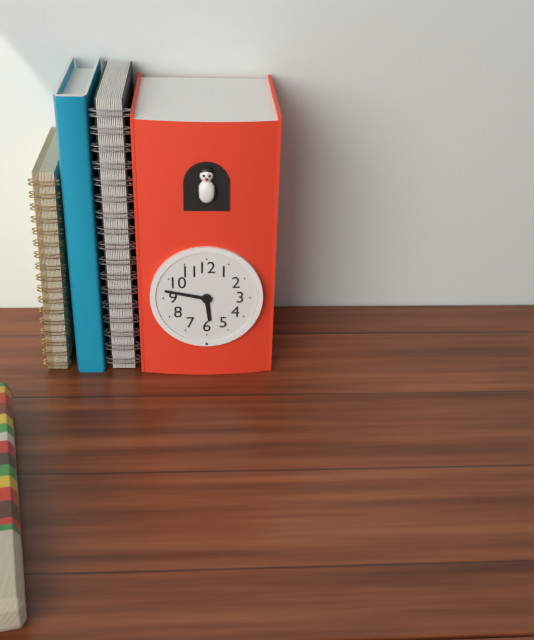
5:47
